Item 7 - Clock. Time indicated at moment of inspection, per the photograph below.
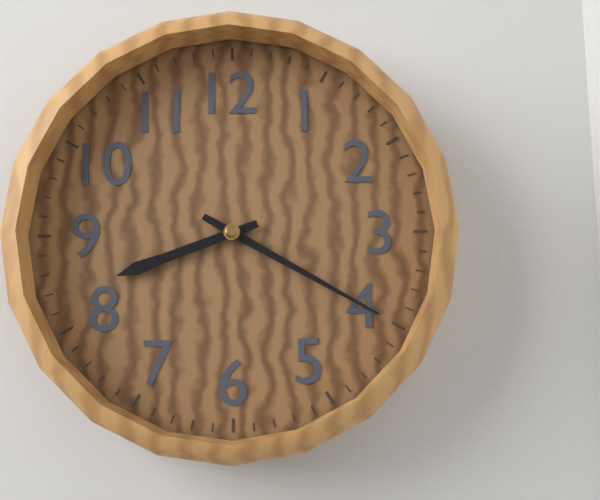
8:20
